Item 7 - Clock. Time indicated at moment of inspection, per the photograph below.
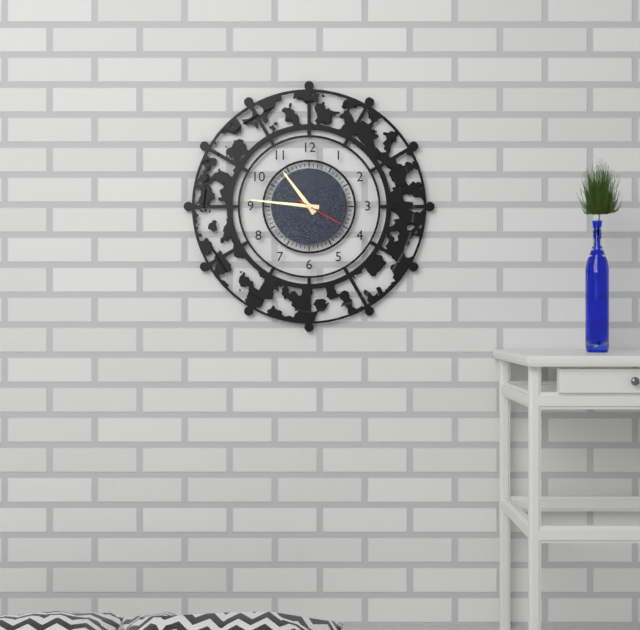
10:46:20
